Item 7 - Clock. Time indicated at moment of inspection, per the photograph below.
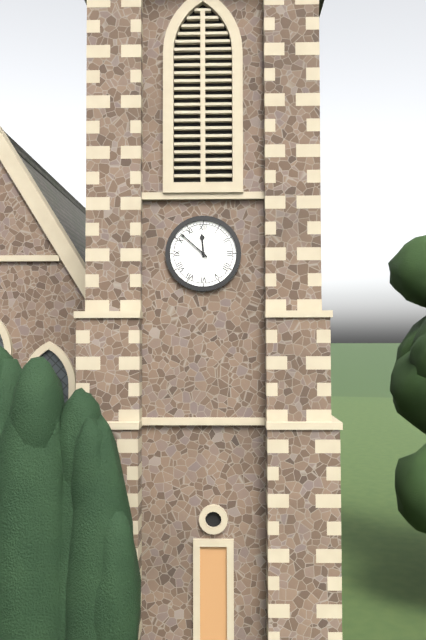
11:52
